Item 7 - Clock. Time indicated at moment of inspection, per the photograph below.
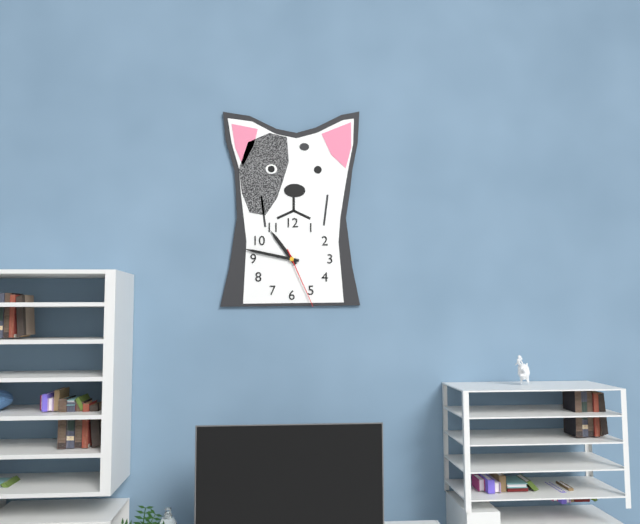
10:47:26
